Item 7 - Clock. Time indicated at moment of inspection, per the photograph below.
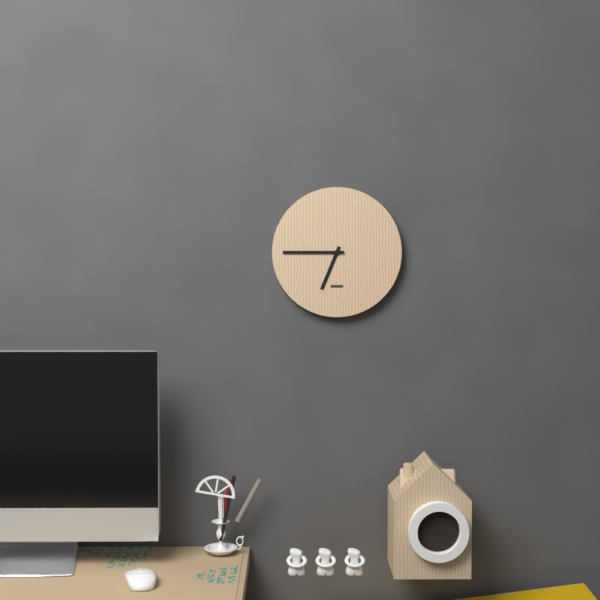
6:45
